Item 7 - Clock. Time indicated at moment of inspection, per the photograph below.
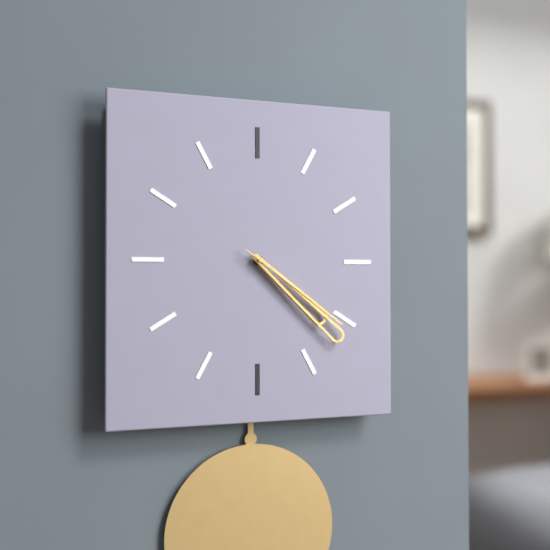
4:22:21
